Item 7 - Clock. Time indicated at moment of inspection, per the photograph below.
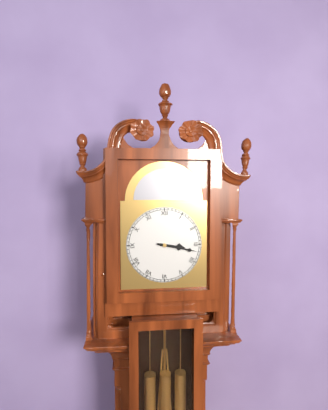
3:17
